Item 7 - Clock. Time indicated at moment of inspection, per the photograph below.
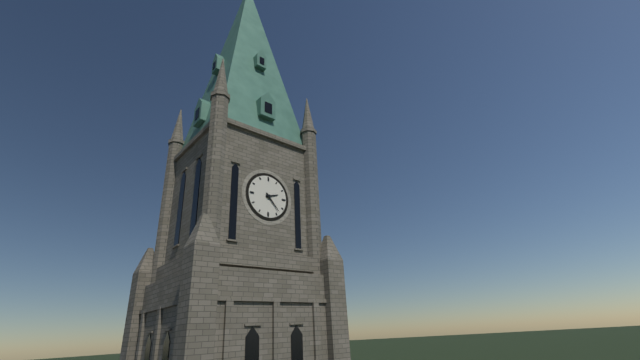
2:23
